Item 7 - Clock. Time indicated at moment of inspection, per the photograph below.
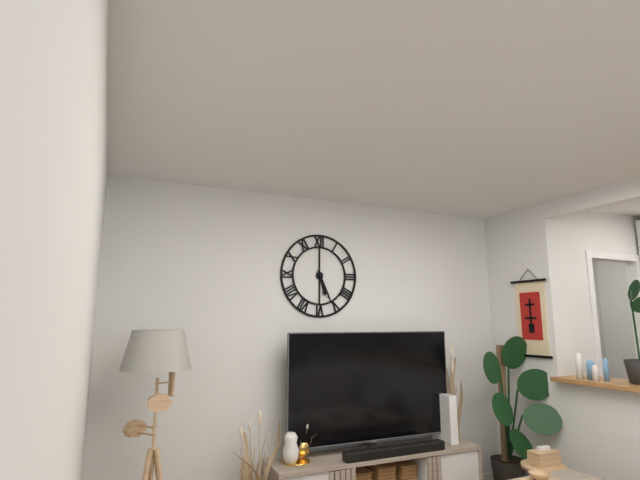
5:26
